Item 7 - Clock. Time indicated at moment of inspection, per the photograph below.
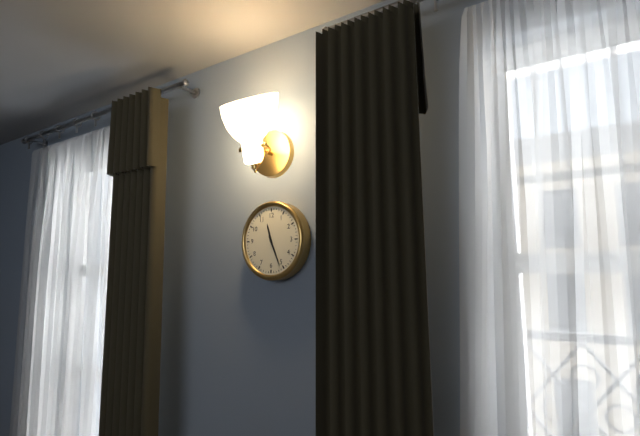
11:26
